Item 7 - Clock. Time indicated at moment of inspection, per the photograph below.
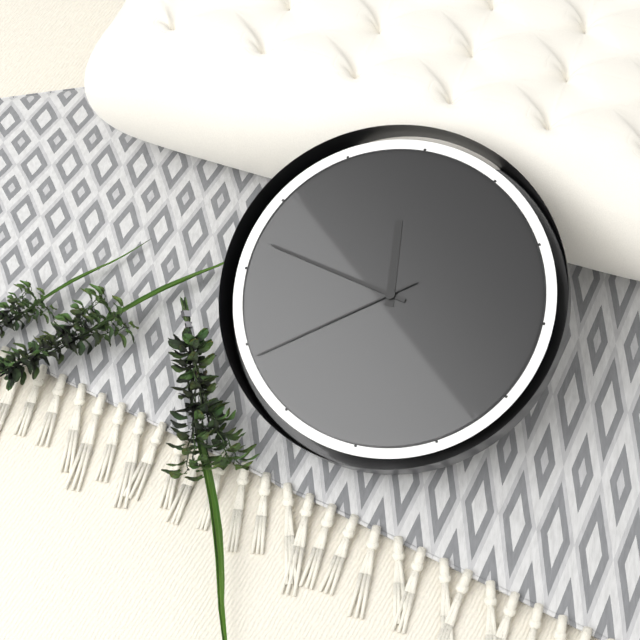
11:47:39
